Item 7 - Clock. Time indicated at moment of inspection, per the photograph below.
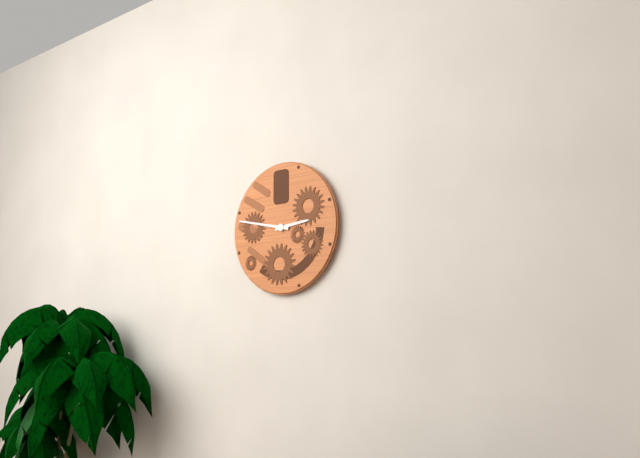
2:47
